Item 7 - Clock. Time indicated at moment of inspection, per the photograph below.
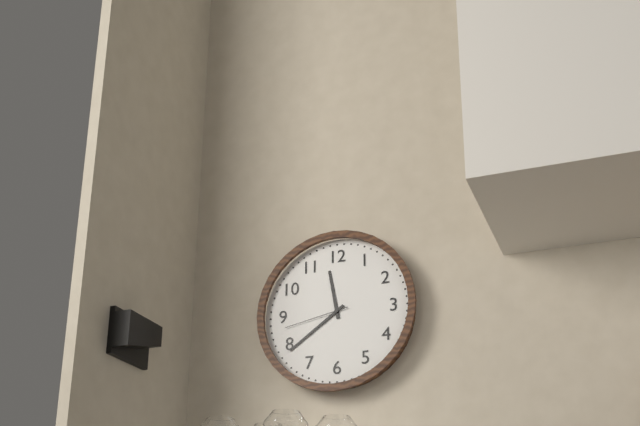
11:39:43
